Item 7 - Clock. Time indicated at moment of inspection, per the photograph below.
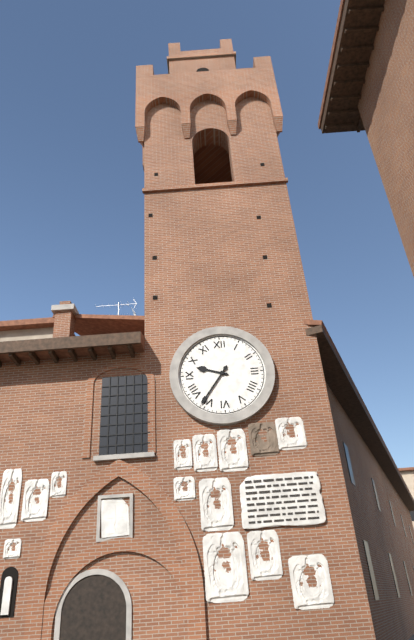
9:36
